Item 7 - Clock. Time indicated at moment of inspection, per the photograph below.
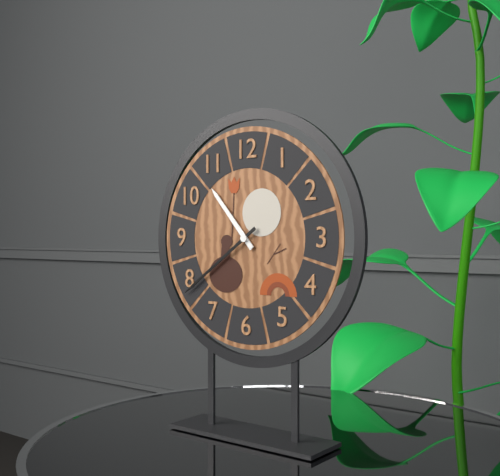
10:39
